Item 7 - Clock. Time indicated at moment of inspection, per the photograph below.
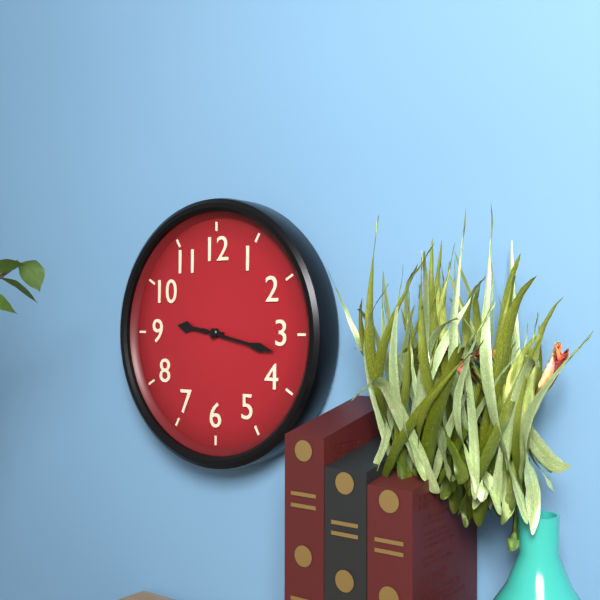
9:17
